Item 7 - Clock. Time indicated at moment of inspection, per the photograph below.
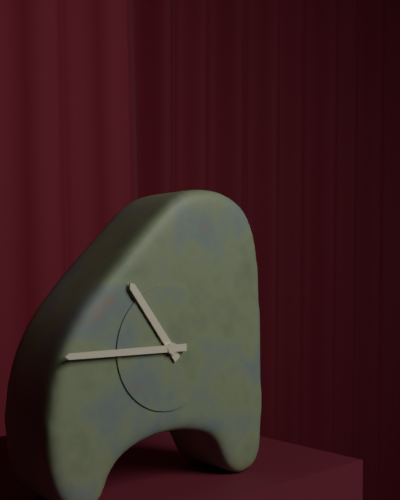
10:45
